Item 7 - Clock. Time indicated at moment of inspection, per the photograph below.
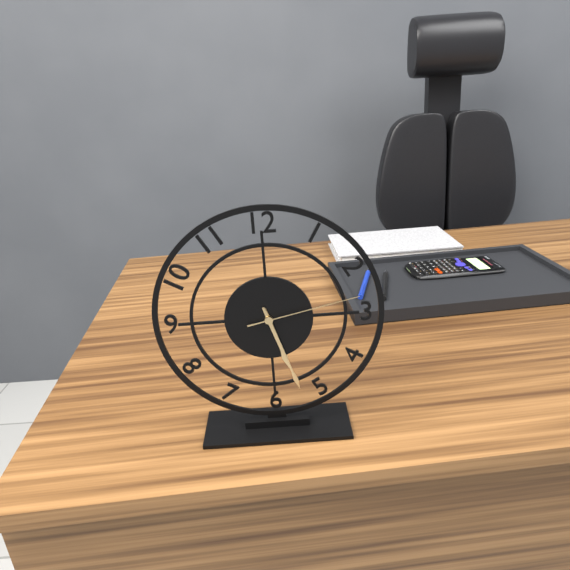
5:27:13
